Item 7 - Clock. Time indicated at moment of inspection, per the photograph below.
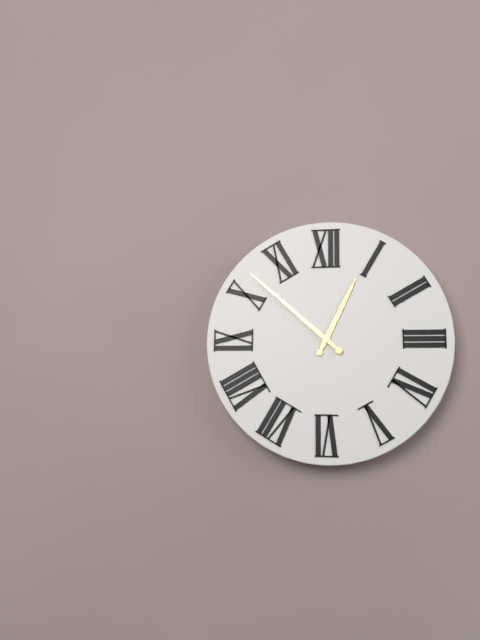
12:52
